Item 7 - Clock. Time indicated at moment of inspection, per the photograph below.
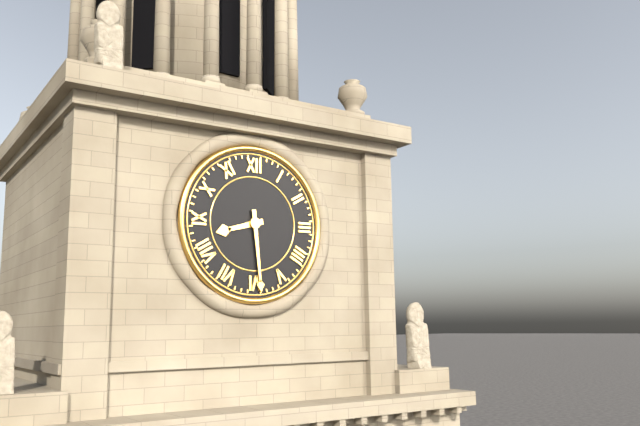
8:29
